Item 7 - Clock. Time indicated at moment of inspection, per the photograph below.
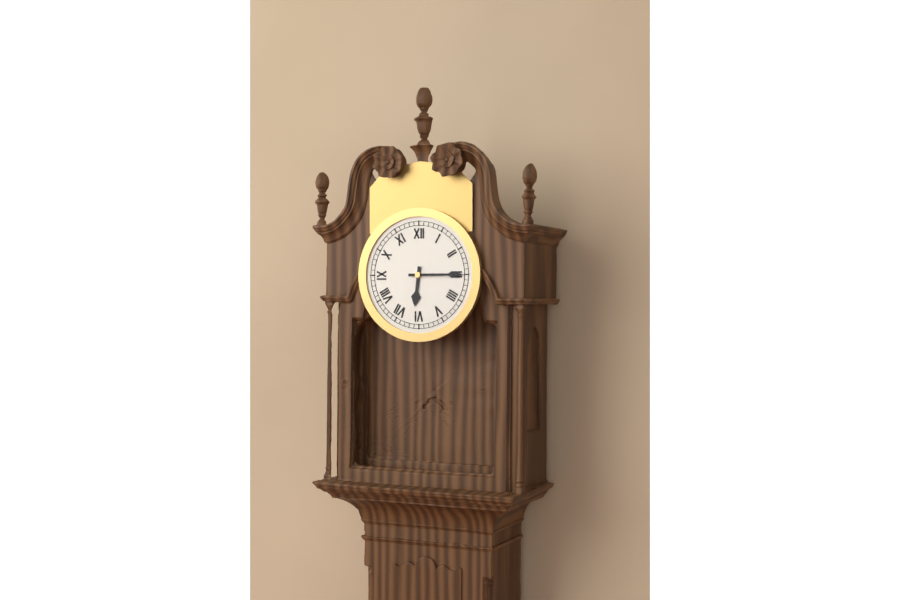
6:15
